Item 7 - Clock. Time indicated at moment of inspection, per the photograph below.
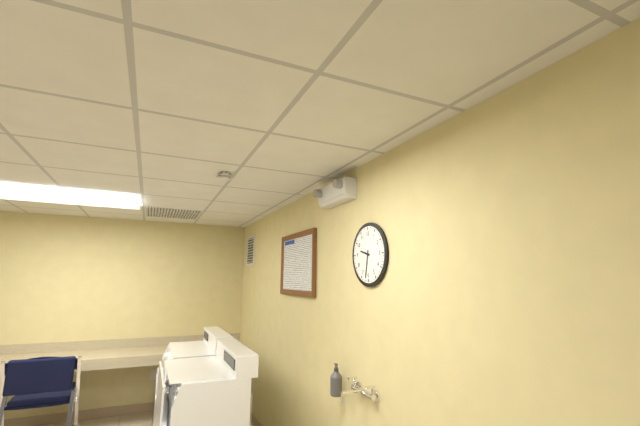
9:32
